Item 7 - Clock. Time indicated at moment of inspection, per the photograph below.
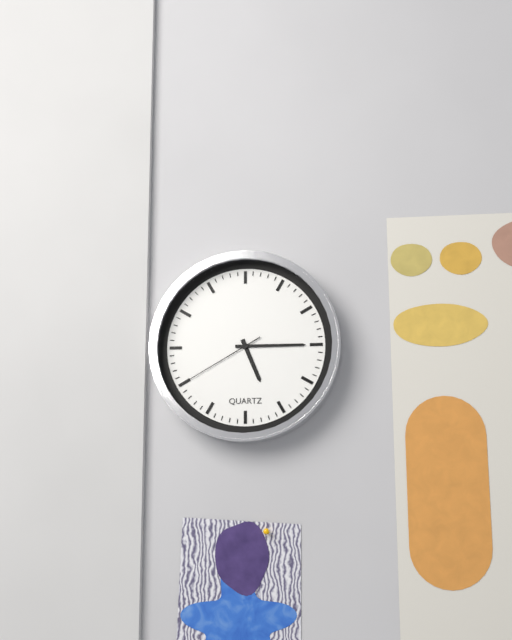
5:15:40
